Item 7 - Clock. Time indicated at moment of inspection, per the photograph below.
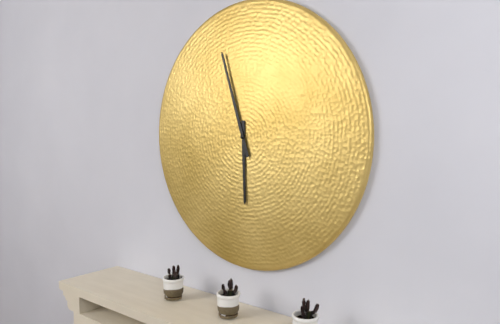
5:57
